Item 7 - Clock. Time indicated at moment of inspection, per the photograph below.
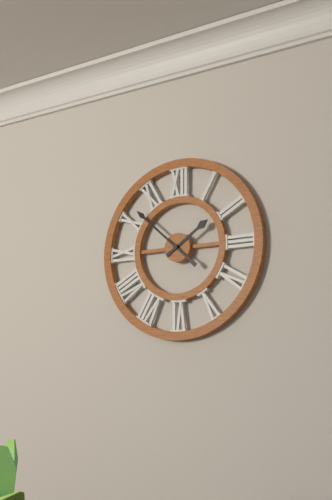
1:52
